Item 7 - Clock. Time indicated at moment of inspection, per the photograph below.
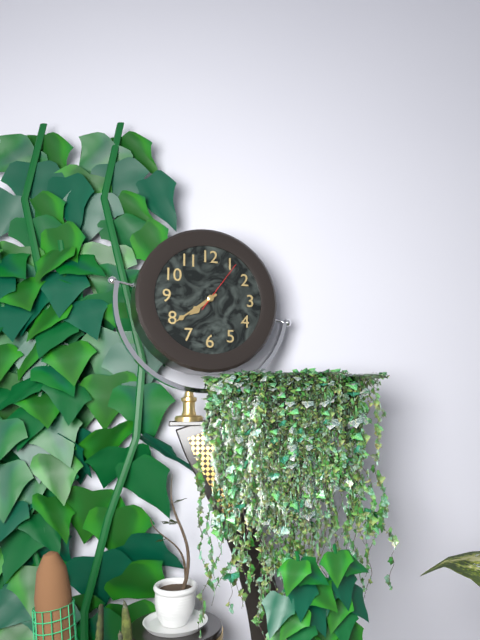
7:39:06
